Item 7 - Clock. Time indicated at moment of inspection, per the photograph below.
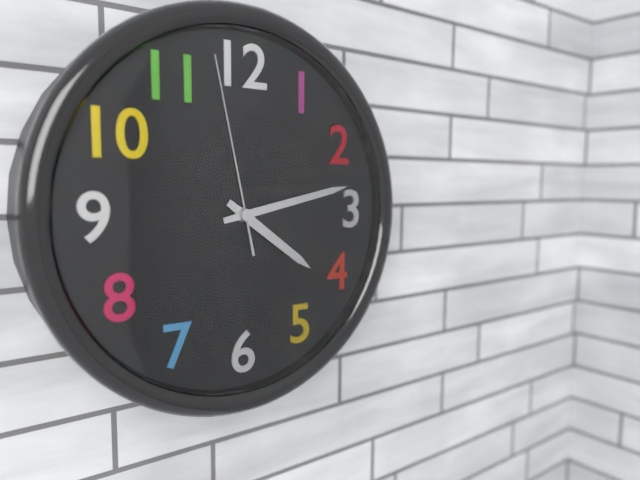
4:13:58
